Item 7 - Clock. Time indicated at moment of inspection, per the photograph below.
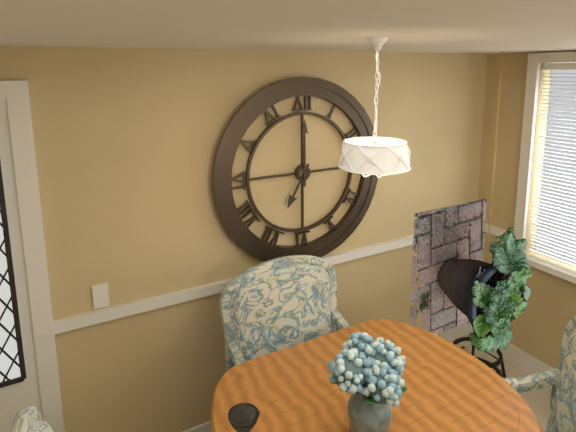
7:00
